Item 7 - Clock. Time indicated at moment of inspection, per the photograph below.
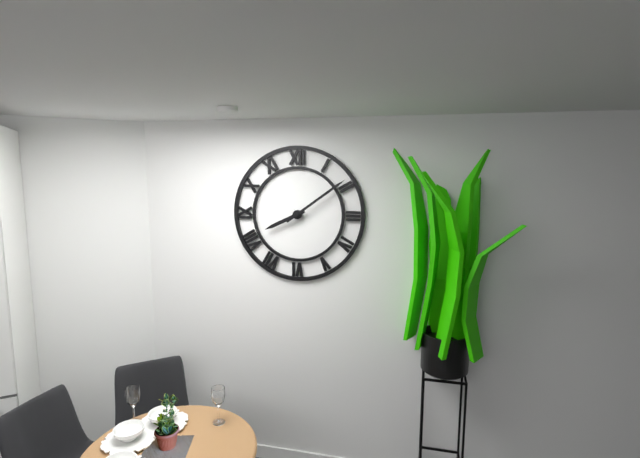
8:09
